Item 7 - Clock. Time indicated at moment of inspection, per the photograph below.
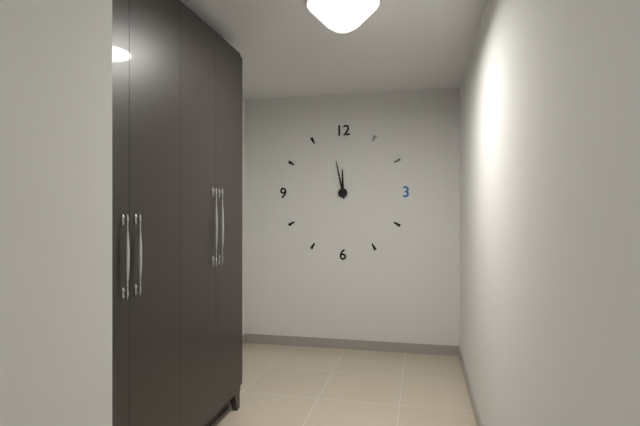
11:58
